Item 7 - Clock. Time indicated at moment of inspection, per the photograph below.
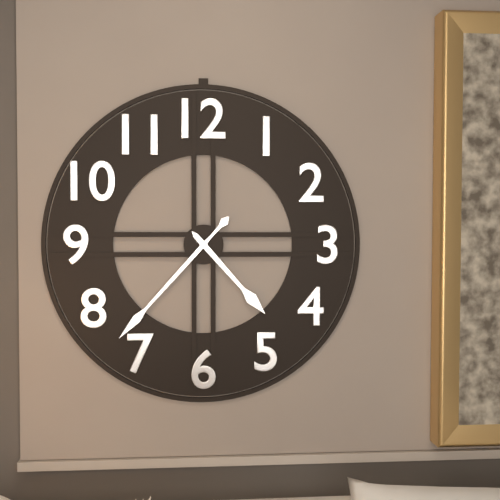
4:37
